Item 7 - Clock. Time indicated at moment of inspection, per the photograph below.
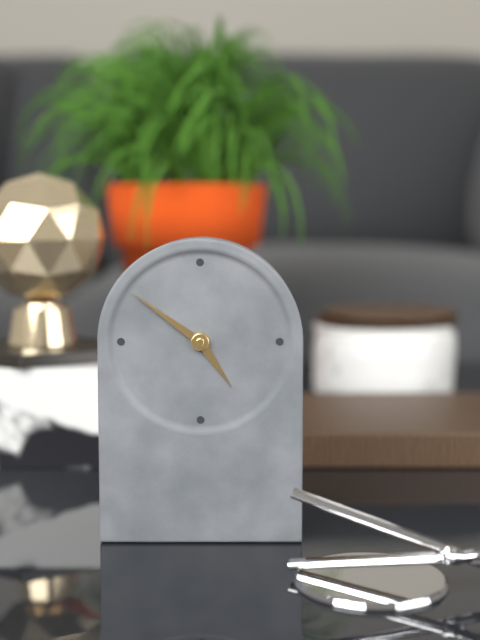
4:51
